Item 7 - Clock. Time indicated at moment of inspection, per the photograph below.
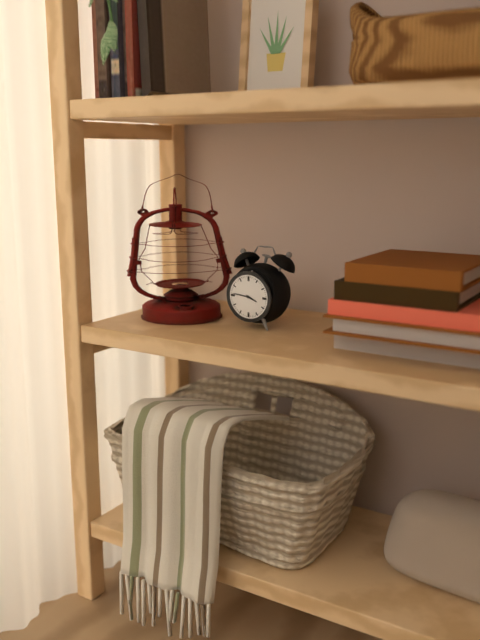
3:46
